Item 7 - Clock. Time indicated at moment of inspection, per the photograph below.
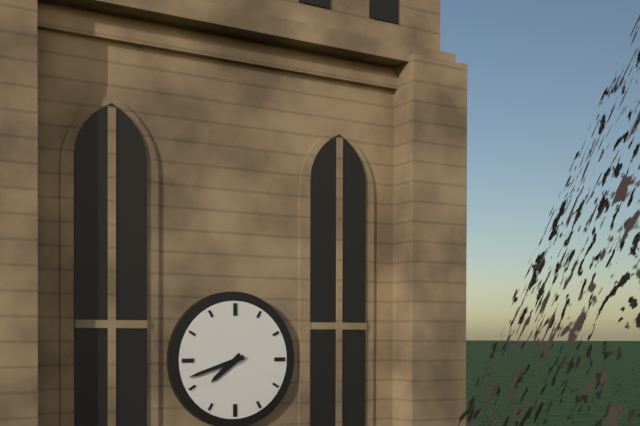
7:42
